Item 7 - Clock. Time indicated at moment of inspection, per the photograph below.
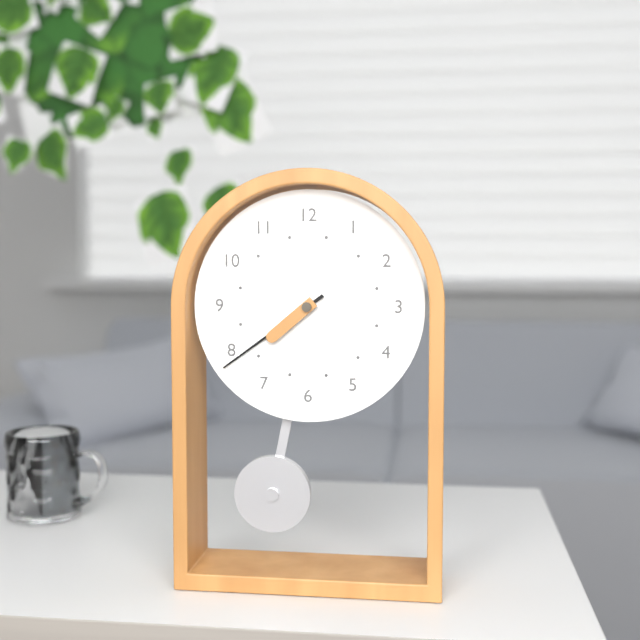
7:39
